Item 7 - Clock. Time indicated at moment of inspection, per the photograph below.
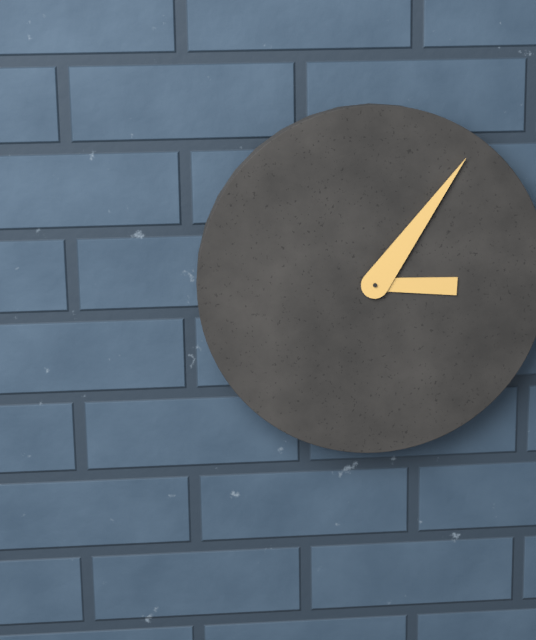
3:06
